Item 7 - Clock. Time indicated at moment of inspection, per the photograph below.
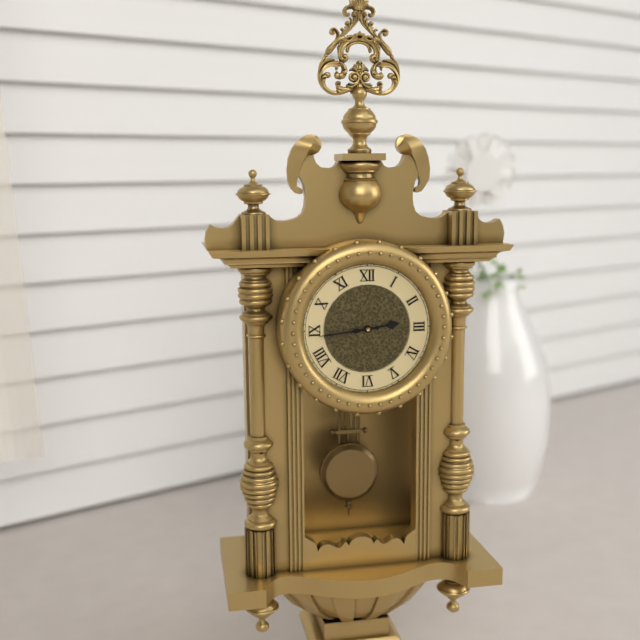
2:44
